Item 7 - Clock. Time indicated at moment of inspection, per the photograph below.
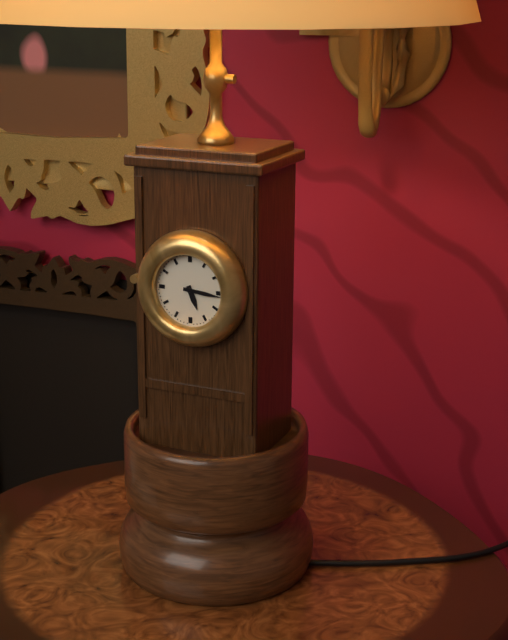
5:16
